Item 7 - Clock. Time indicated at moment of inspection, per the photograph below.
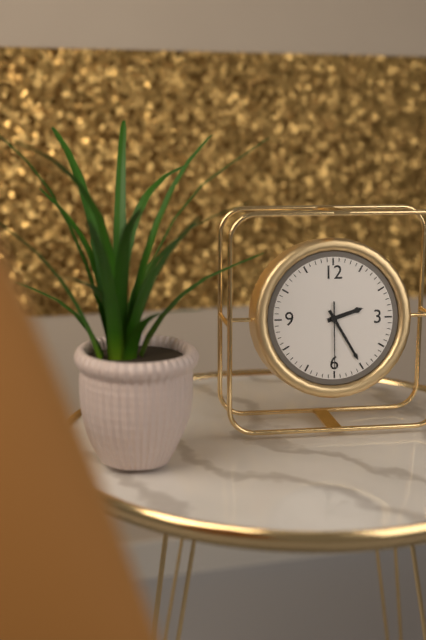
2:25:30
